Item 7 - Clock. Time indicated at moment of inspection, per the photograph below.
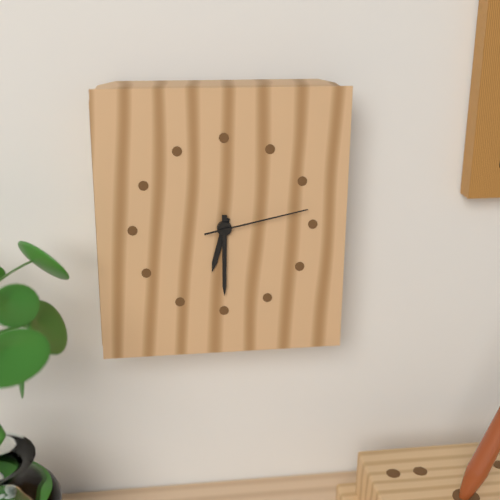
6:30:13
